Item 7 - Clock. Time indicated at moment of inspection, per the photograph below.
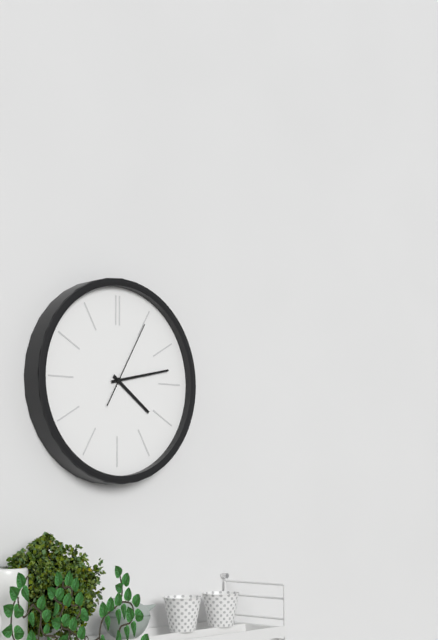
4:13:05
